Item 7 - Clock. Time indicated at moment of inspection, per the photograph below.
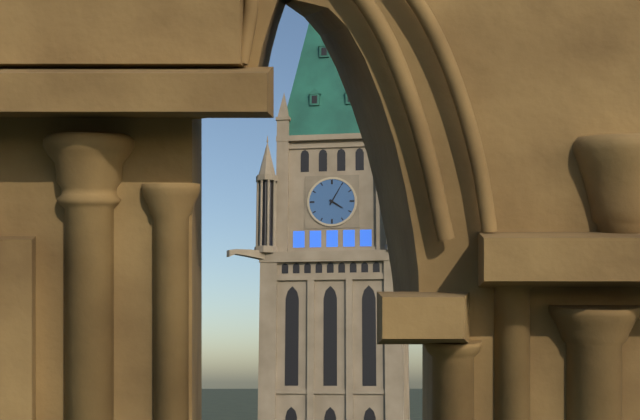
4:05
